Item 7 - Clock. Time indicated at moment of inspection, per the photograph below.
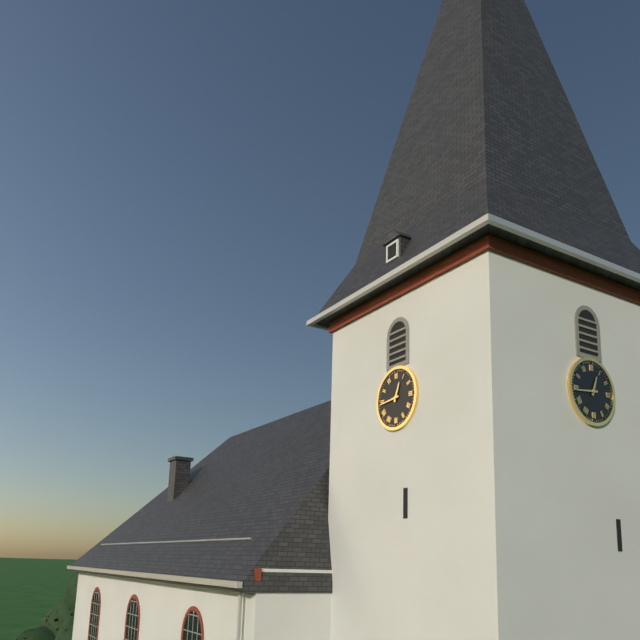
12:44
